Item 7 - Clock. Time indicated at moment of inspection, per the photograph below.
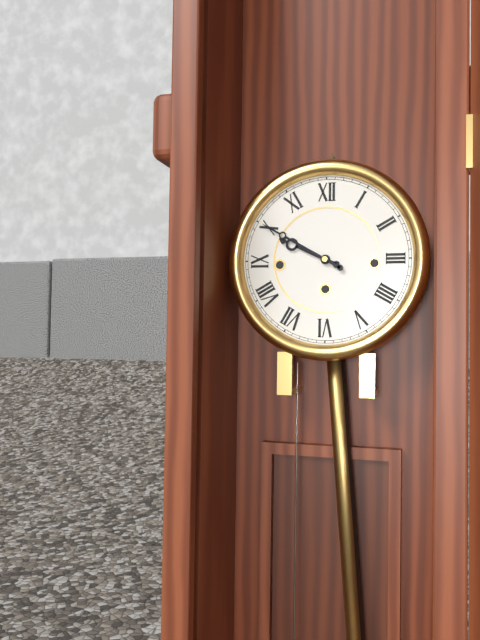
9:50
